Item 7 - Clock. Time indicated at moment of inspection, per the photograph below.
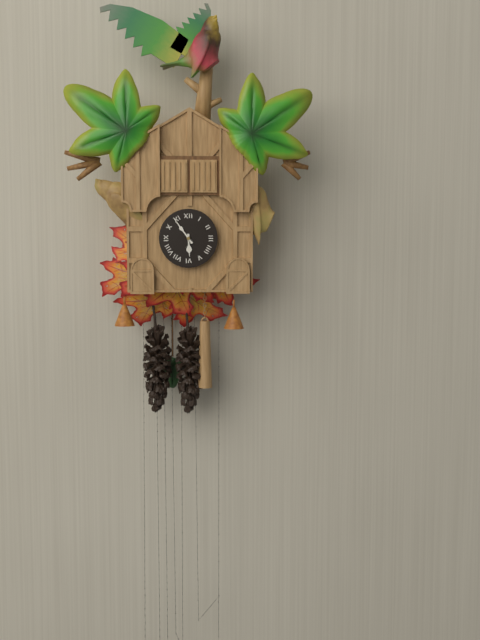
5:54
